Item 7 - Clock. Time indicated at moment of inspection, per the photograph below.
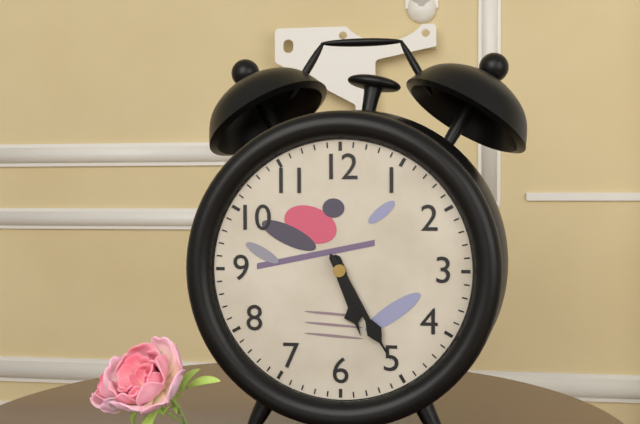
5:25
